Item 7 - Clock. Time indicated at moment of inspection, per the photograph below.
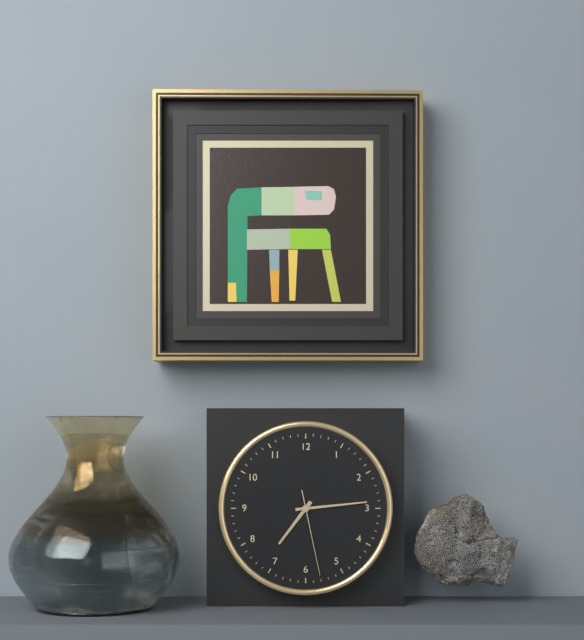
7:14:28
